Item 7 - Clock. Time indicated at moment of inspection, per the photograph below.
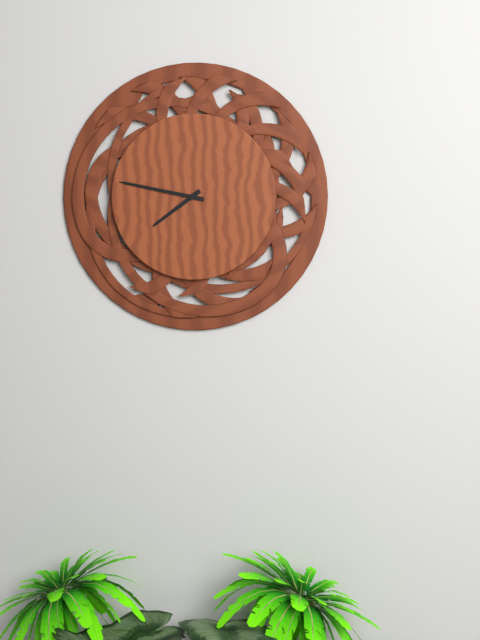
7:47
